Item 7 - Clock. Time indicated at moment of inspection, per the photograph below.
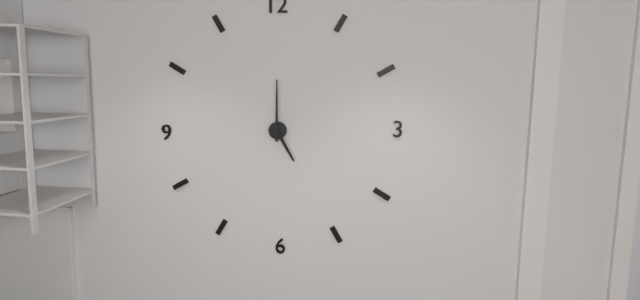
5:00
